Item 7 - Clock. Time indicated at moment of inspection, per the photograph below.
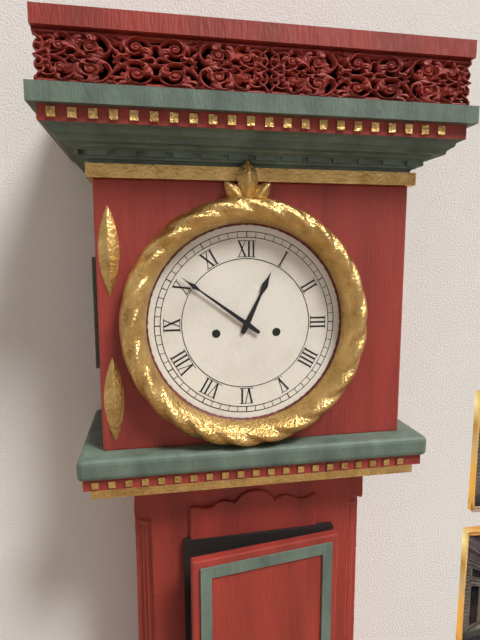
12:51
